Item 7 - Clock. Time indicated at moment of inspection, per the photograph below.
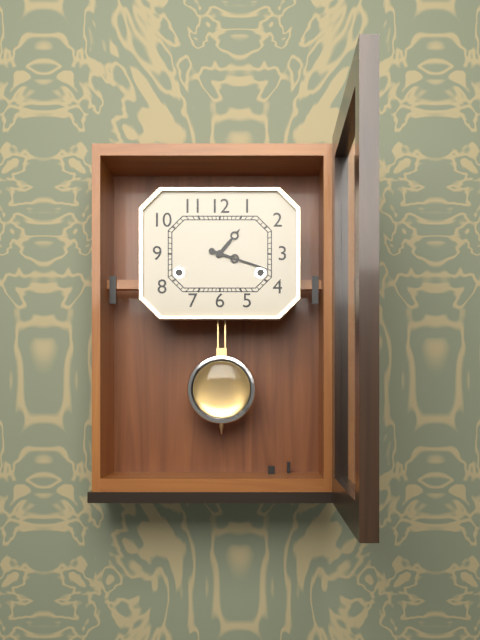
1:18
